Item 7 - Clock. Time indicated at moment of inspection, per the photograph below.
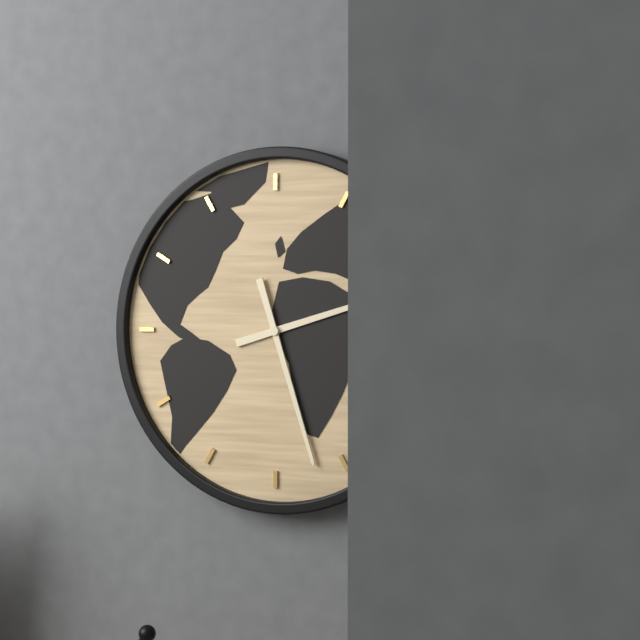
2:27
